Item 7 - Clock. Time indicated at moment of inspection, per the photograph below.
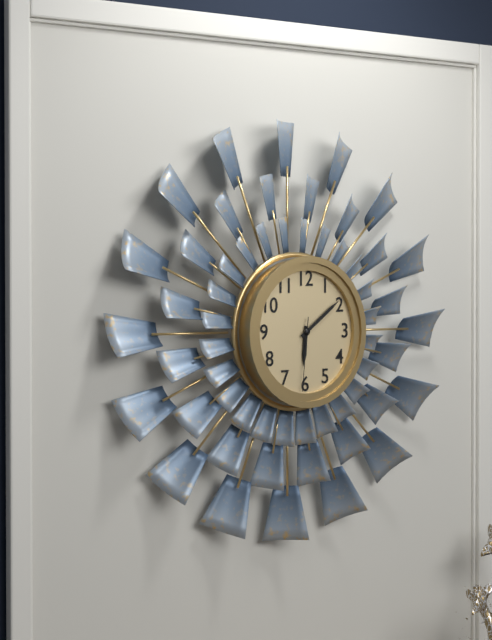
6:09:31
